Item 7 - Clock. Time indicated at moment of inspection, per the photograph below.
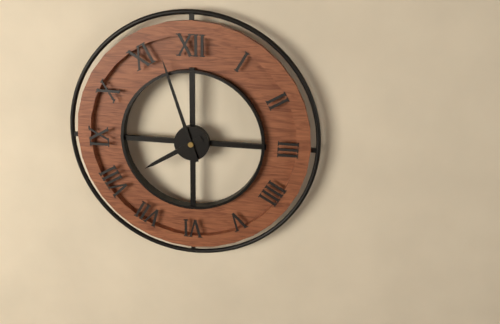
7:57
